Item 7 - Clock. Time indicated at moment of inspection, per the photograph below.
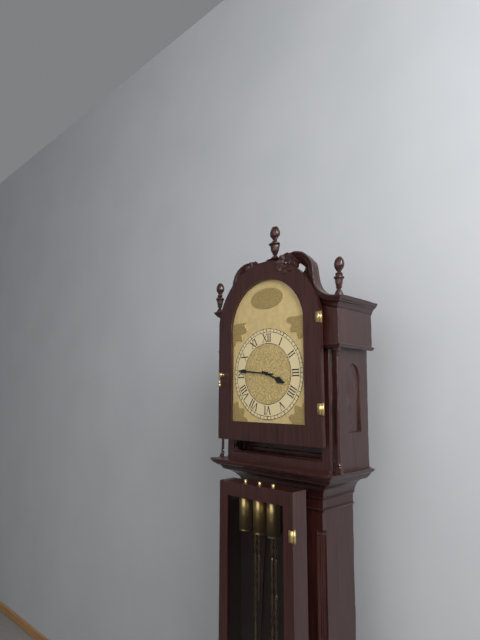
3:46
